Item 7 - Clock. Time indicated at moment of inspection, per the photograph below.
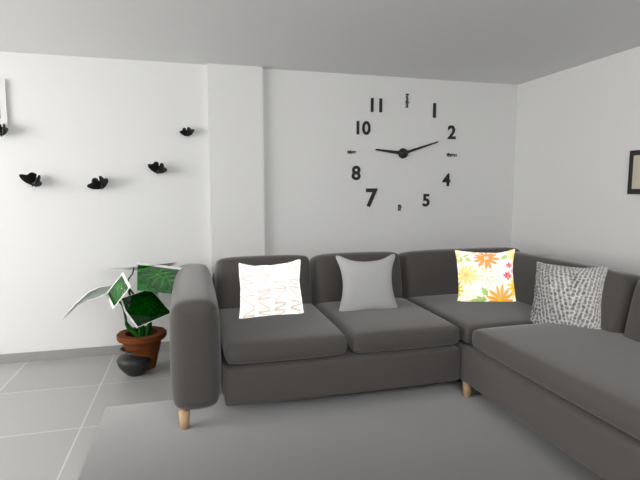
9:12
